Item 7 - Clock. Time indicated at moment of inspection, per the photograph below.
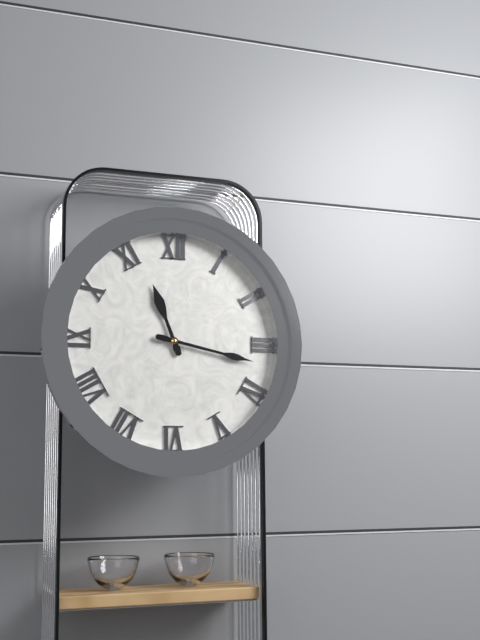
11:17
